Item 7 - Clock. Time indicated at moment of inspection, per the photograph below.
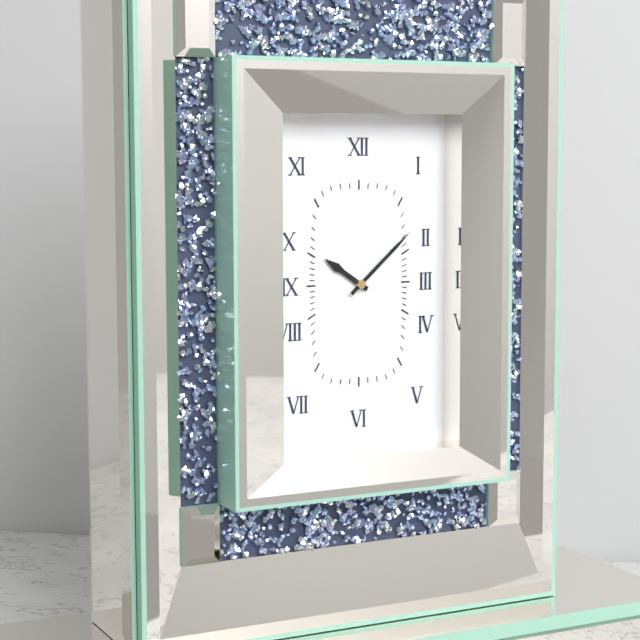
10:08
